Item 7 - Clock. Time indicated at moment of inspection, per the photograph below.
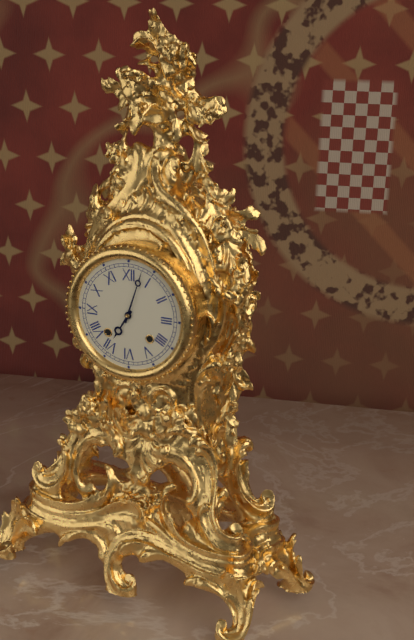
7:03
